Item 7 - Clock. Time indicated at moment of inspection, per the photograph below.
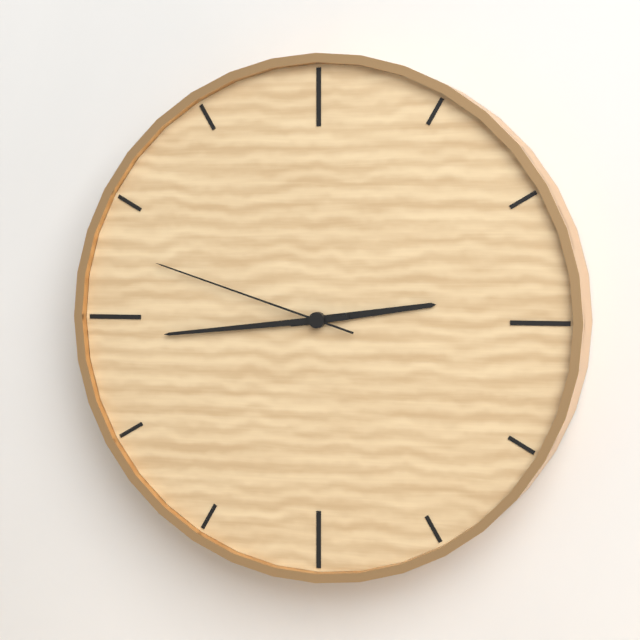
2:44:48
